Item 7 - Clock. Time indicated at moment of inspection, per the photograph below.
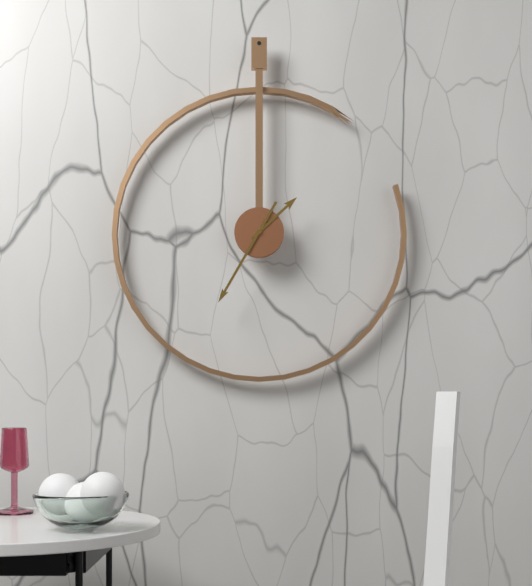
1:35
